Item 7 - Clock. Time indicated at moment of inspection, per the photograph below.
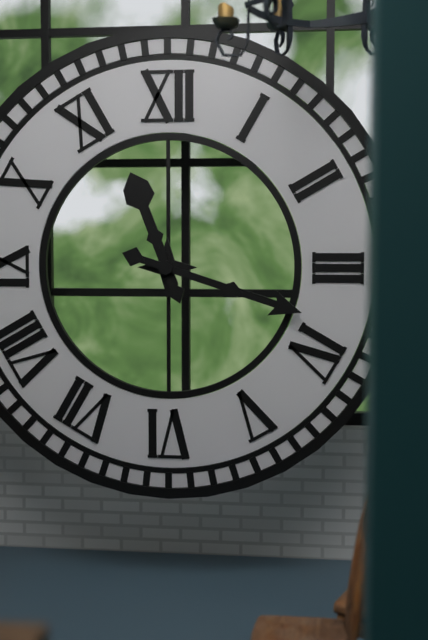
11:18
